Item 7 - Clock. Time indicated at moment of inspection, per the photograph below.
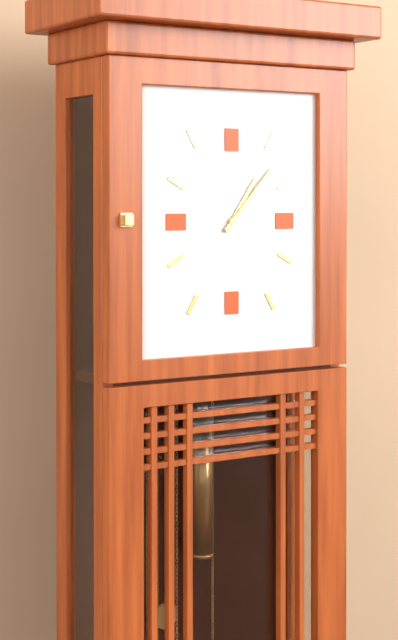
1:07
